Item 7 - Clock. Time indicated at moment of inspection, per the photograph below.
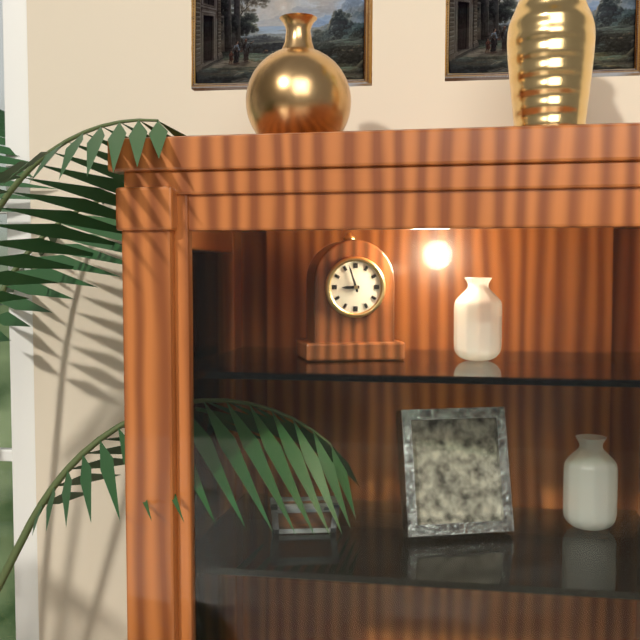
8:57
